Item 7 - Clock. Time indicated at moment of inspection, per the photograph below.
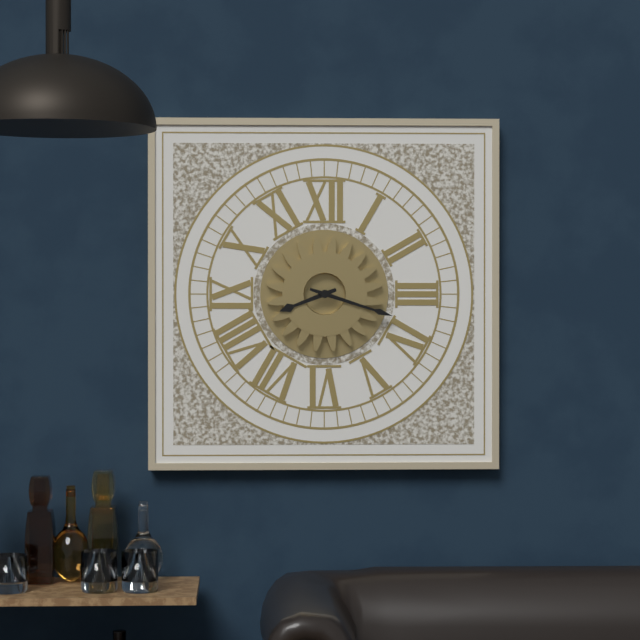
8:18
